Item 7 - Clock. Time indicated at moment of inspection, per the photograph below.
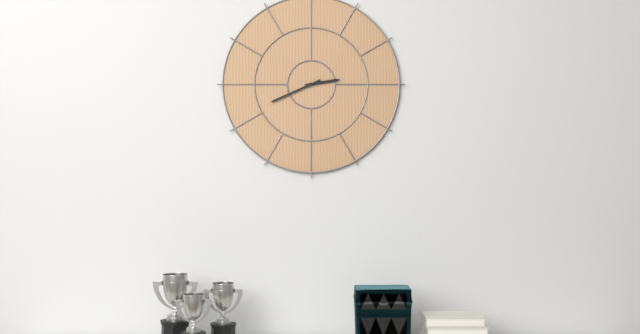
2:41
